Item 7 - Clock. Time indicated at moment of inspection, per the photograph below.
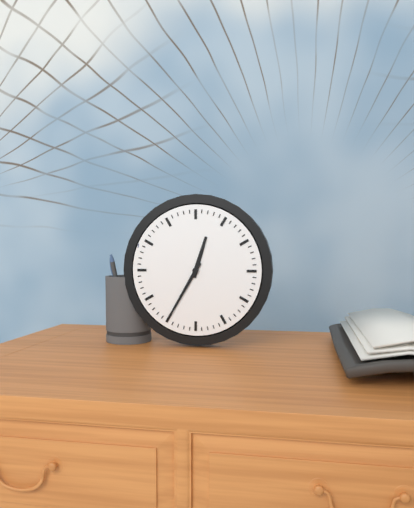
12:35
